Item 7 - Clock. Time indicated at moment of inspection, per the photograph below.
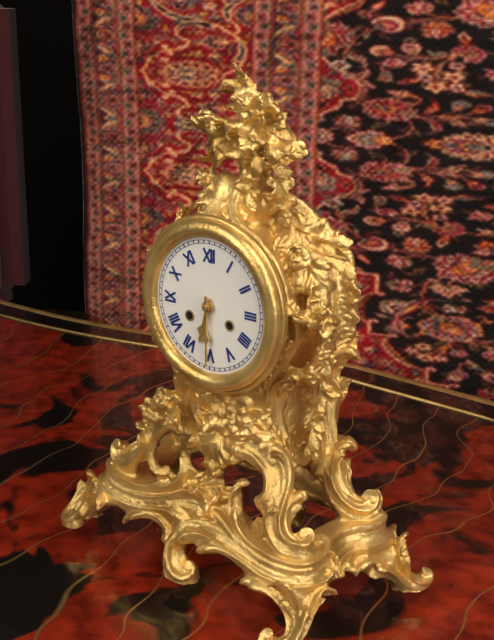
6:30
